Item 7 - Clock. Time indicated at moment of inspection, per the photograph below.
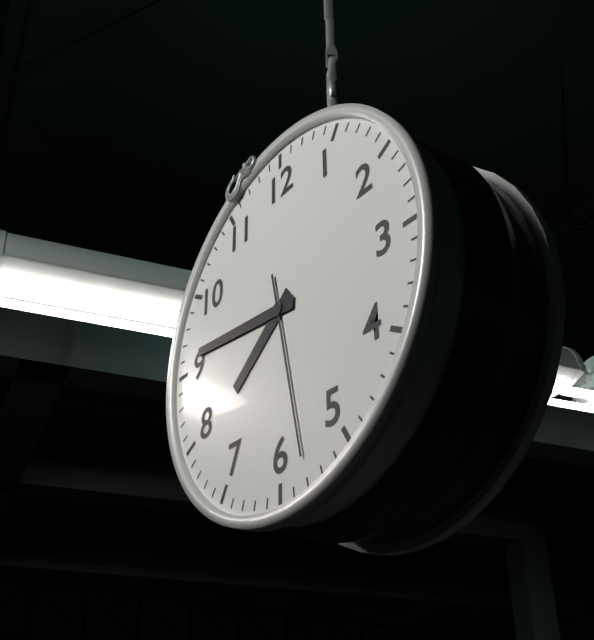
7:46:28
